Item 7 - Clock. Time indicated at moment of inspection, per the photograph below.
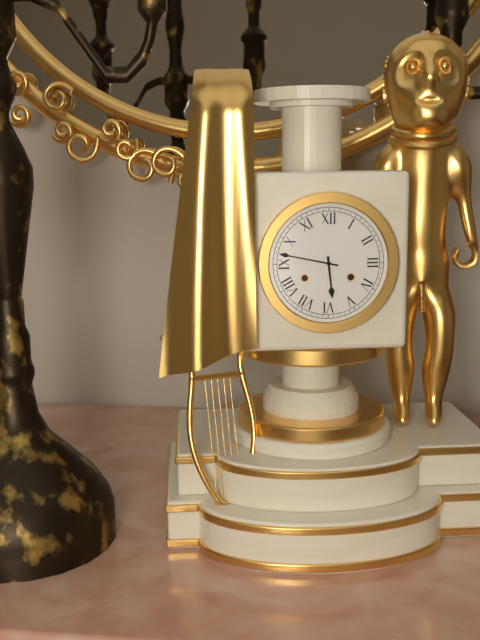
5:47
